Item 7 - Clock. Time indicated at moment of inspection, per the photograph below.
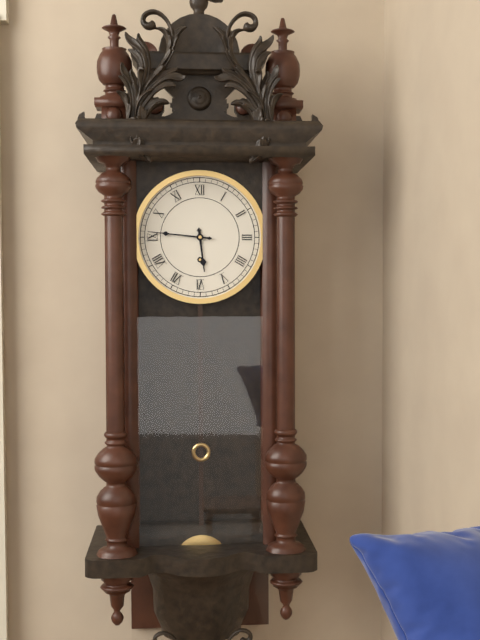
5:46
